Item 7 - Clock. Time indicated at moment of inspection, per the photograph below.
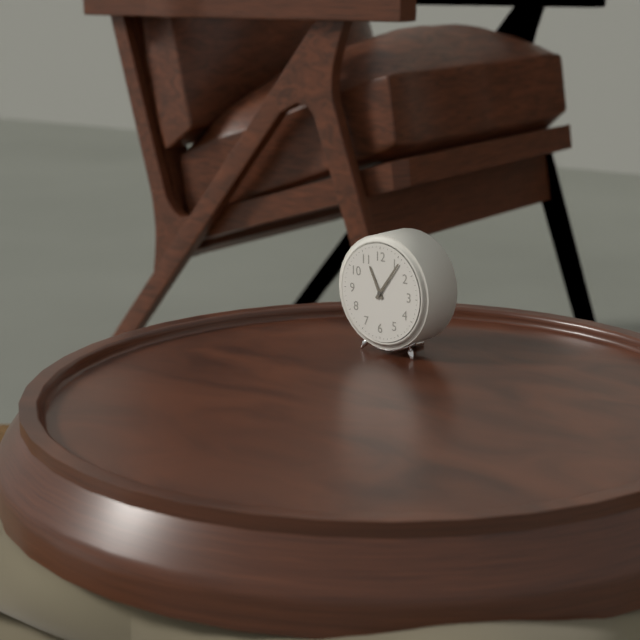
11:06
